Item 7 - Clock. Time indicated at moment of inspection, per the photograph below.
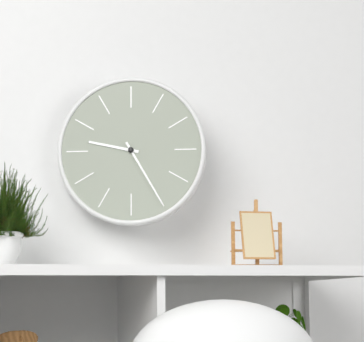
9:25
